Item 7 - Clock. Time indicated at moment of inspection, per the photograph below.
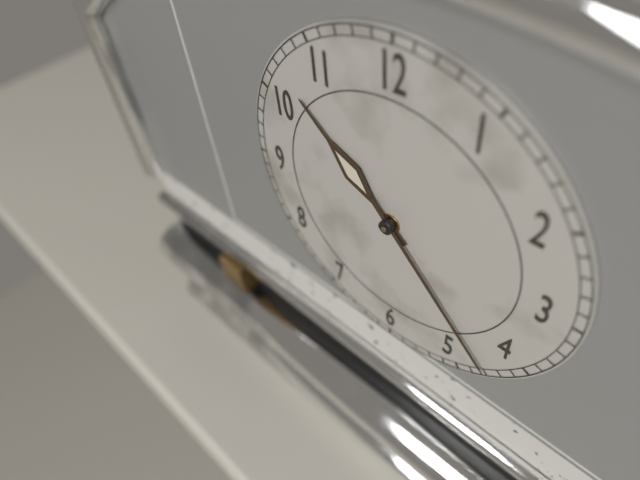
10:23
